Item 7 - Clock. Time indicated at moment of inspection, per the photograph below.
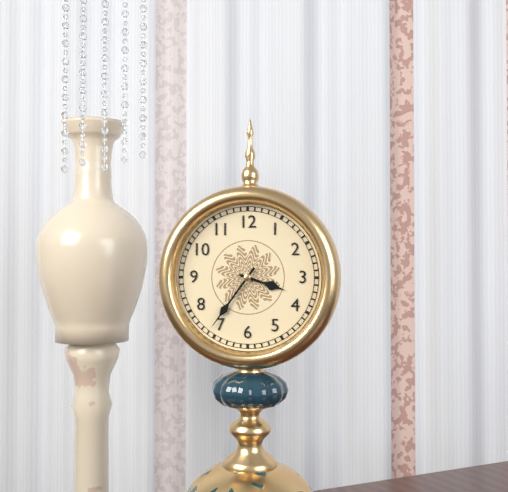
3:36
